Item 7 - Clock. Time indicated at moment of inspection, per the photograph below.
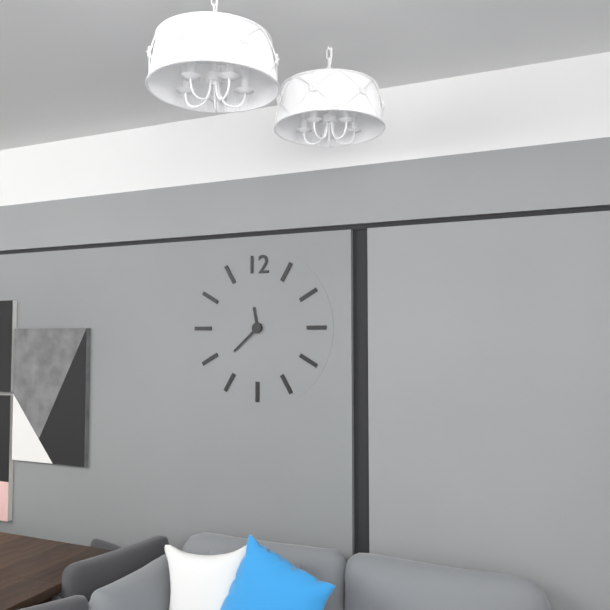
11:38
